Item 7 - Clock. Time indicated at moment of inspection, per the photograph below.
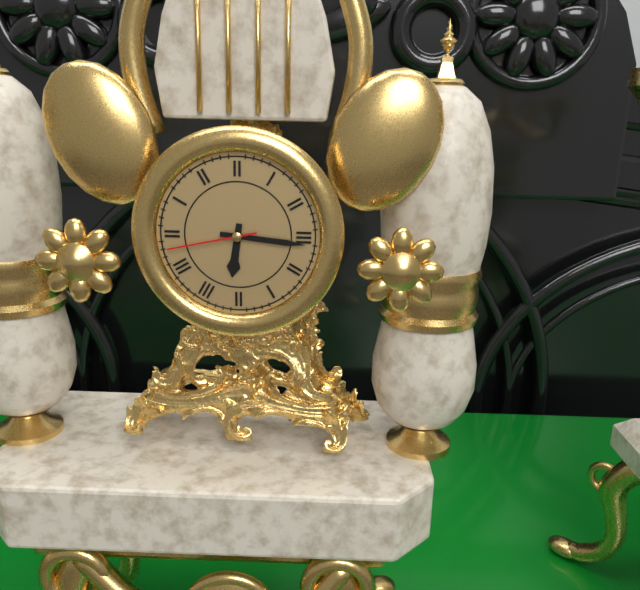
6:16:43
